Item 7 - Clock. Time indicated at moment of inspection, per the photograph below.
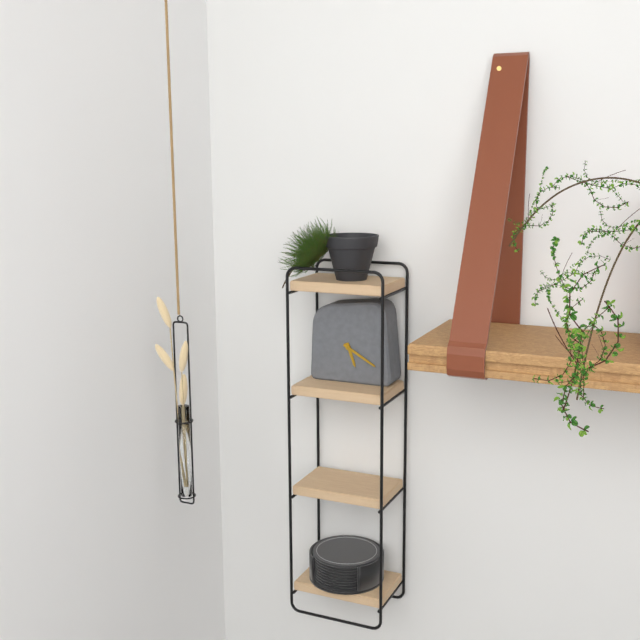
5:20
